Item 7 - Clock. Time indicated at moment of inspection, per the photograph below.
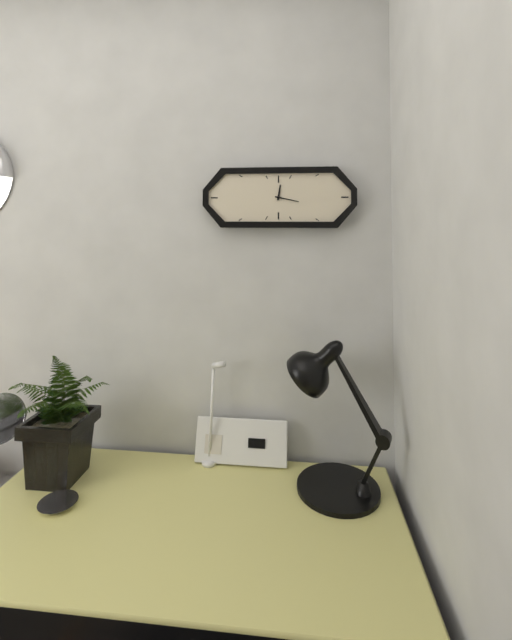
12:17
